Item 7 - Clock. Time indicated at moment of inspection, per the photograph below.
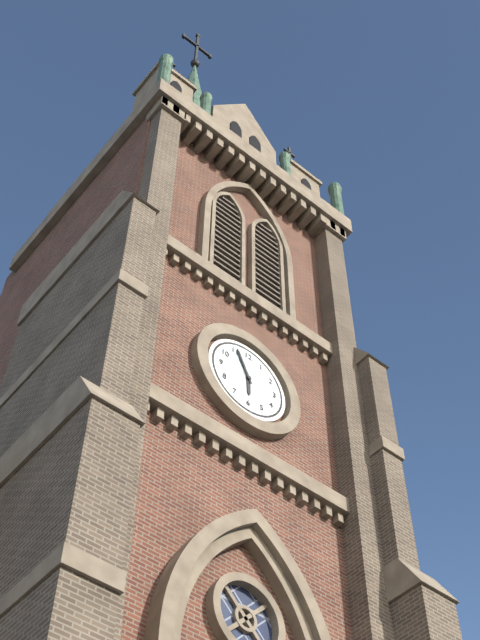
5:56
